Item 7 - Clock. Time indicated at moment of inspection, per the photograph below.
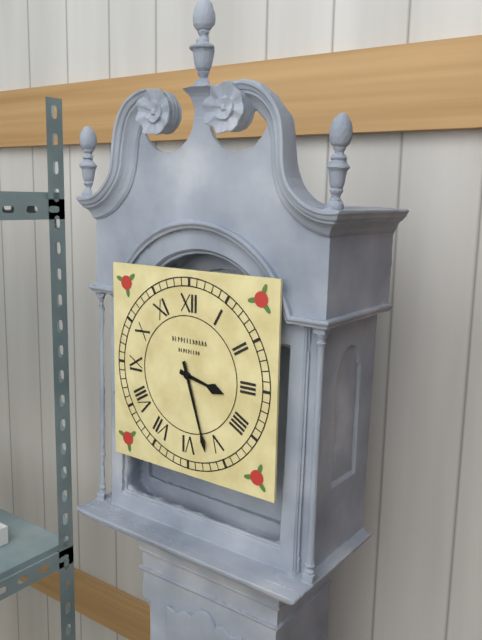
3:27
